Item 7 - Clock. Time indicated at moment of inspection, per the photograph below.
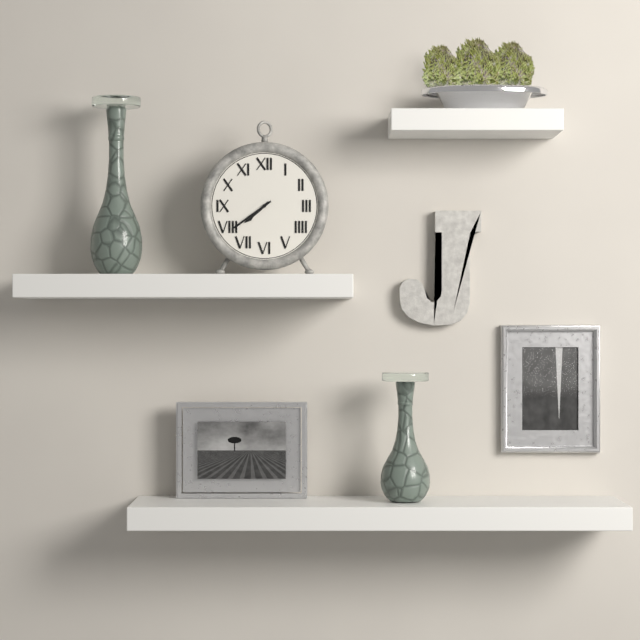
7:39
